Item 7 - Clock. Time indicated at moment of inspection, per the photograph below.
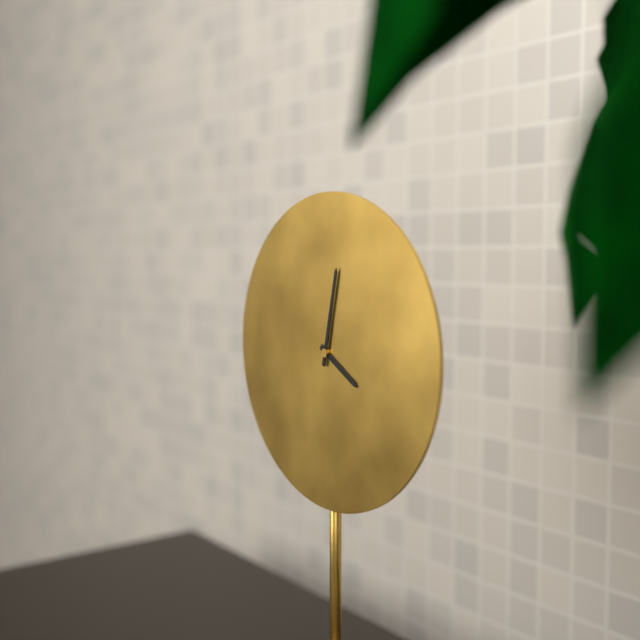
4:02
